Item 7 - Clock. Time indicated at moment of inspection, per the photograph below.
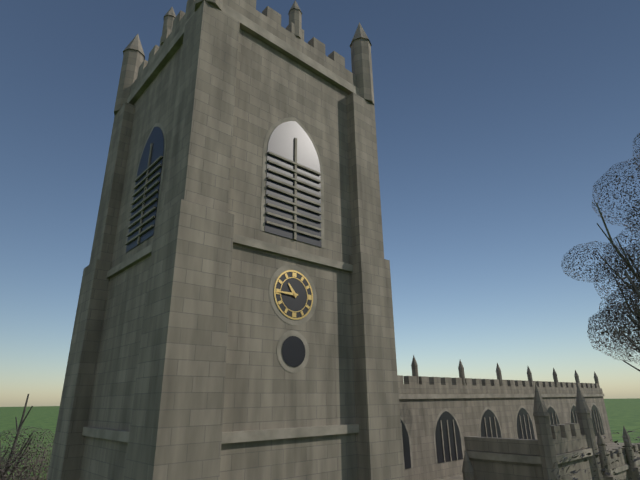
10:45
